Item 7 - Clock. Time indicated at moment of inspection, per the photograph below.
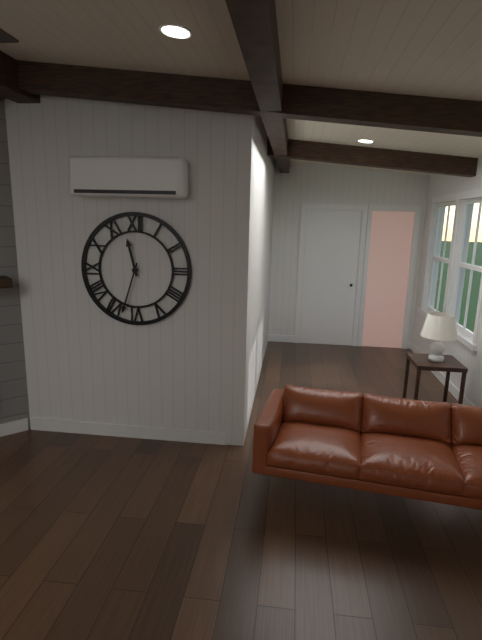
11:33
